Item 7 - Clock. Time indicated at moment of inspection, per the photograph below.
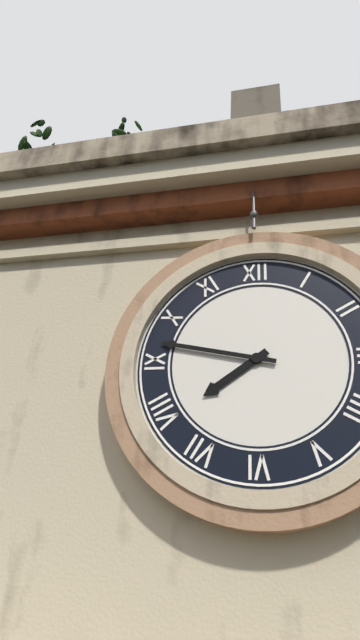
7:47
